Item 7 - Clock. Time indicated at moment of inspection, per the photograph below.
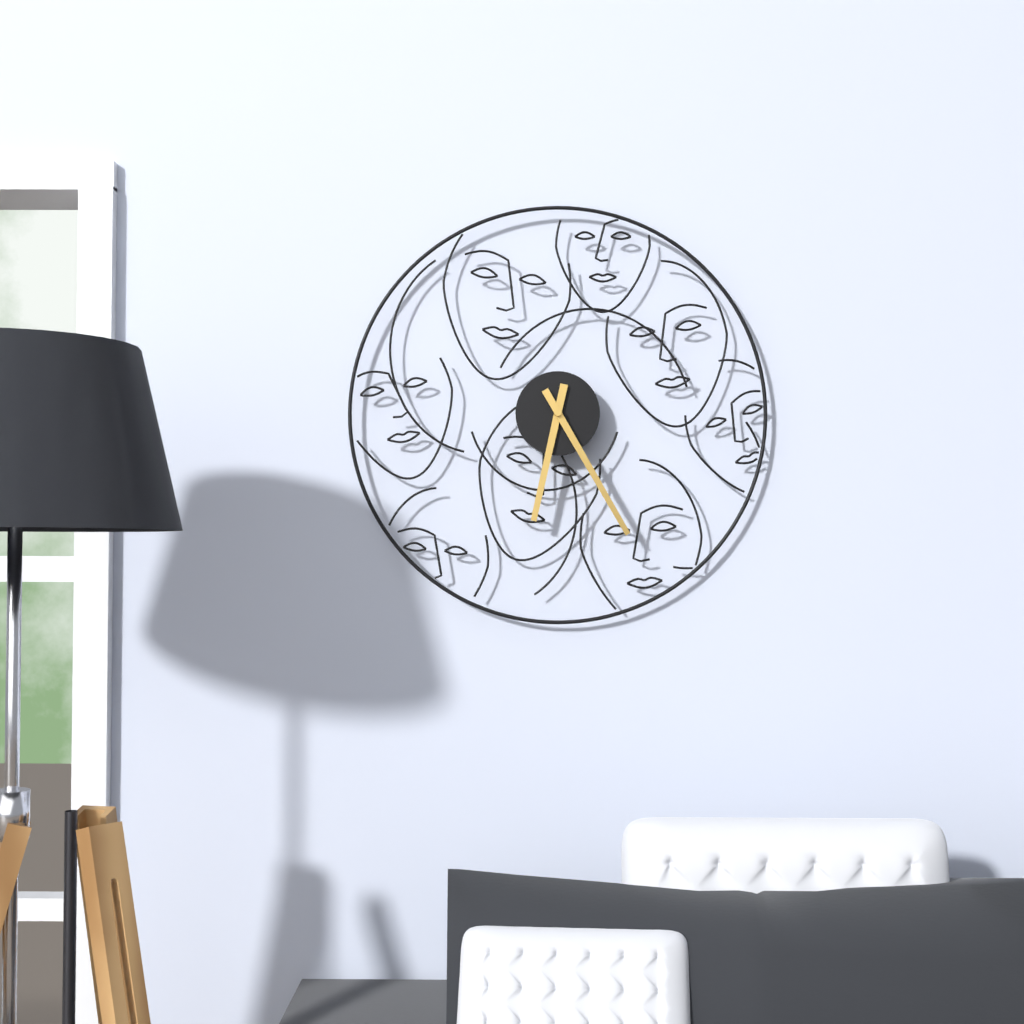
6:25
